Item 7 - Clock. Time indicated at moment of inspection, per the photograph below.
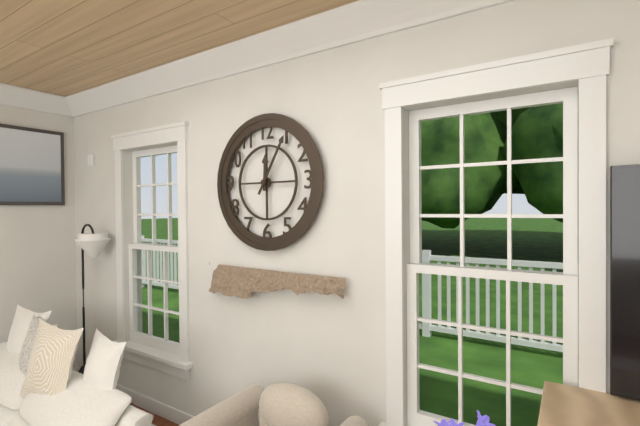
12:05
